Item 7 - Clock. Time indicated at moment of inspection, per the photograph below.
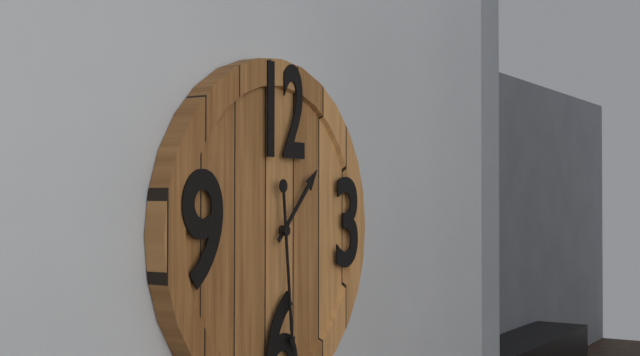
1:29
